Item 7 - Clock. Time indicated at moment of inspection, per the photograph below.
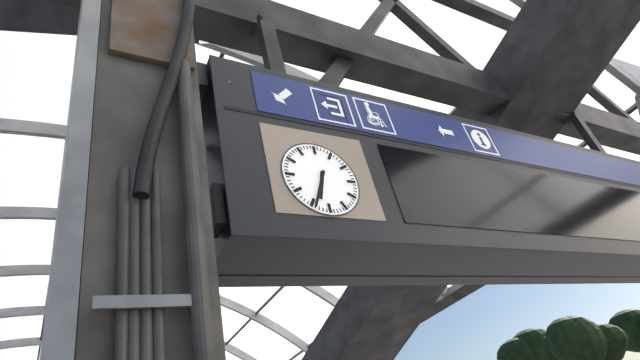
6:34
